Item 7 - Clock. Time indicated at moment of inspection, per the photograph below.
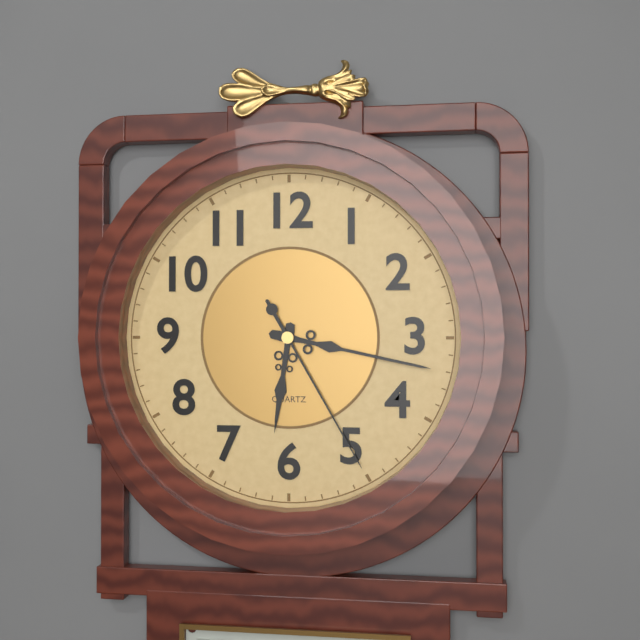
6:17:25
